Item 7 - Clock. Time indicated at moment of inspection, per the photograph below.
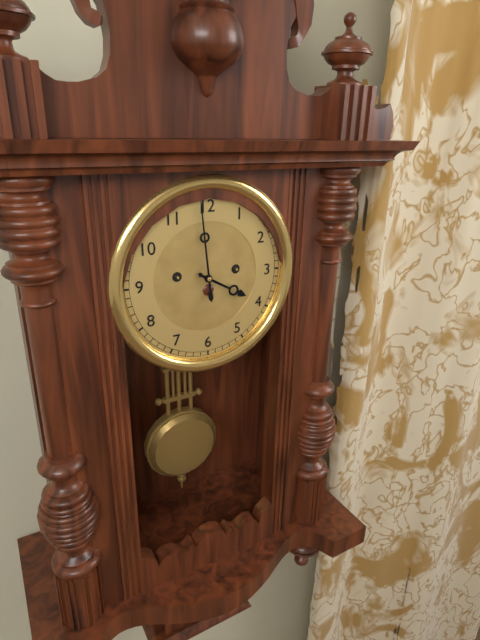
3:59
